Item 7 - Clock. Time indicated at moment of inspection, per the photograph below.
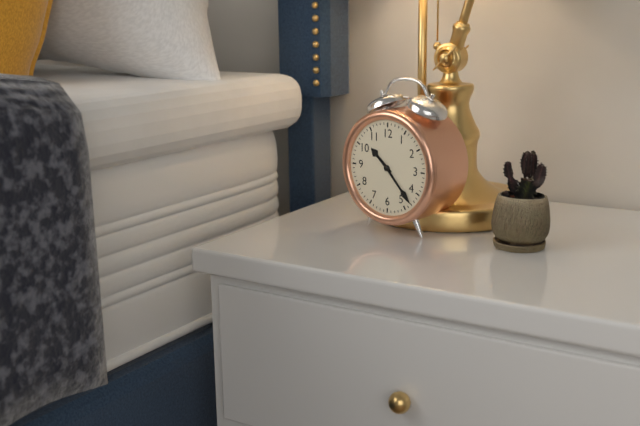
10:23
